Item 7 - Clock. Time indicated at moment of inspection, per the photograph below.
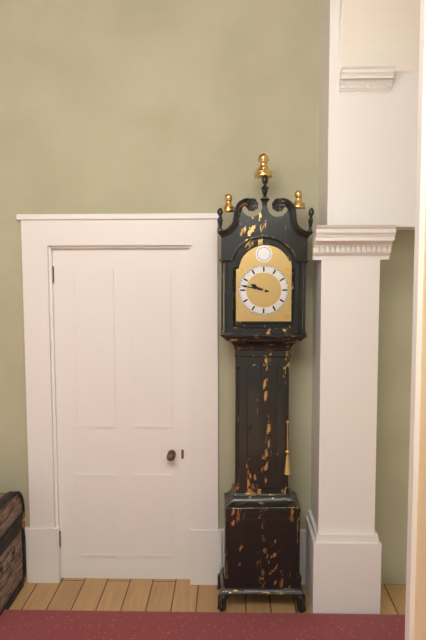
9:47
